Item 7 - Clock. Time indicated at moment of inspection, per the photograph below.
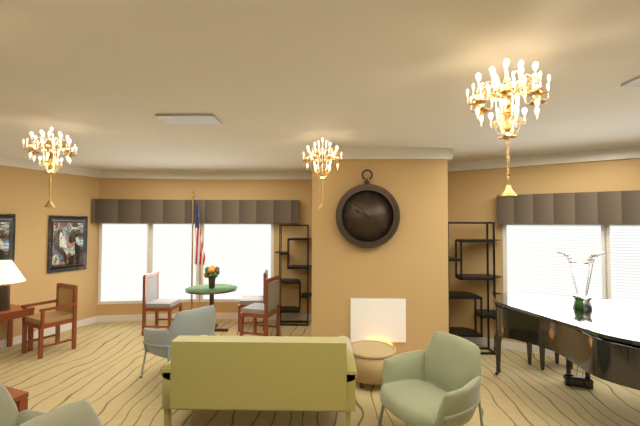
9:53
